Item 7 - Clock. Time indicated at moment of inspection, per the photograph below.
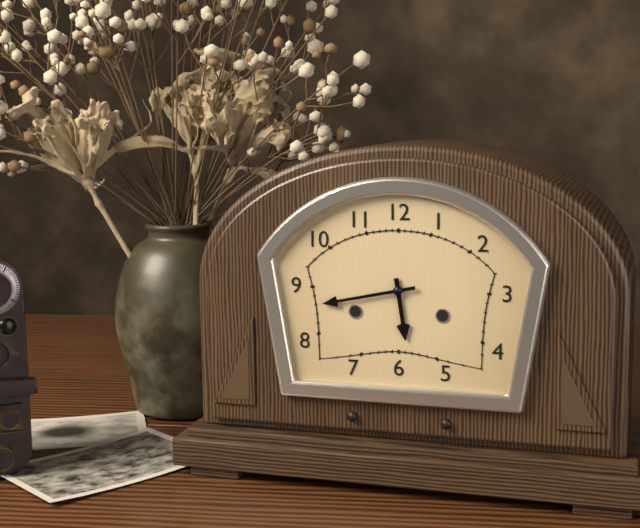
5:43
